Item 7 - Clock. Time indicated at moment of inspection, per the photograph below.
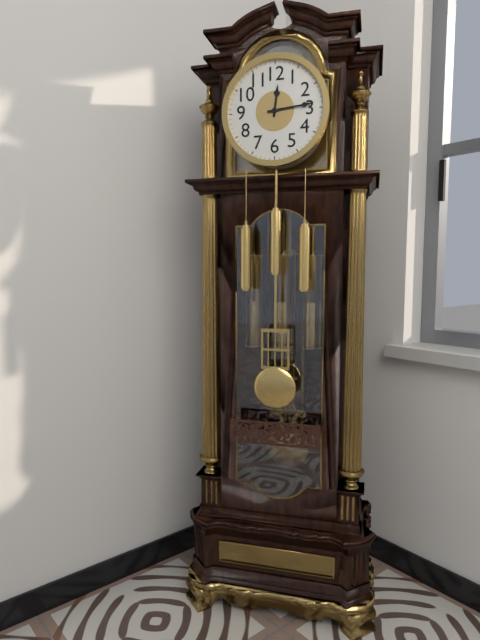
12:14
